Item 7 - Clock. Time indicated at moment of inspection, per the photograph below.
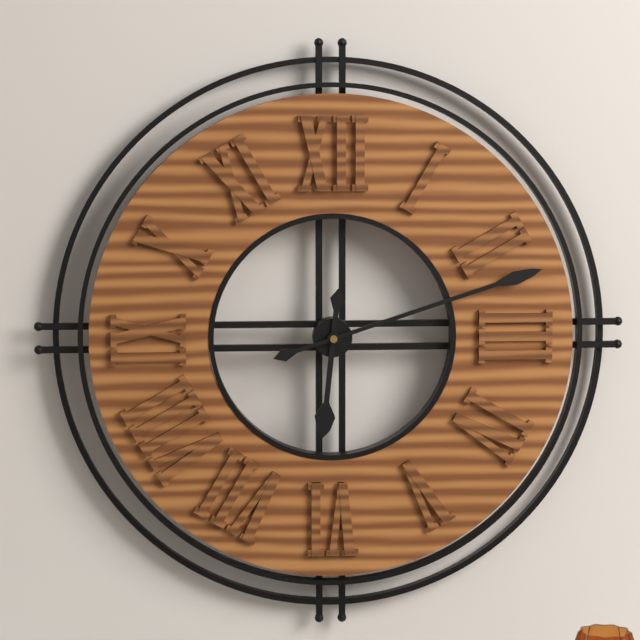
6:12
